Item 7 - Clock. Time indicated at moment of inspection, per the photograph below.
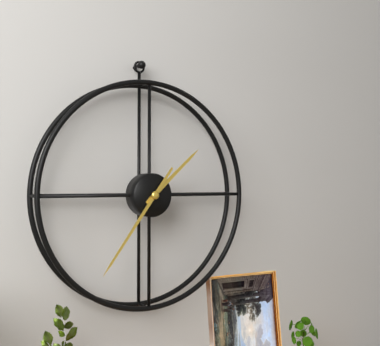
1:36
